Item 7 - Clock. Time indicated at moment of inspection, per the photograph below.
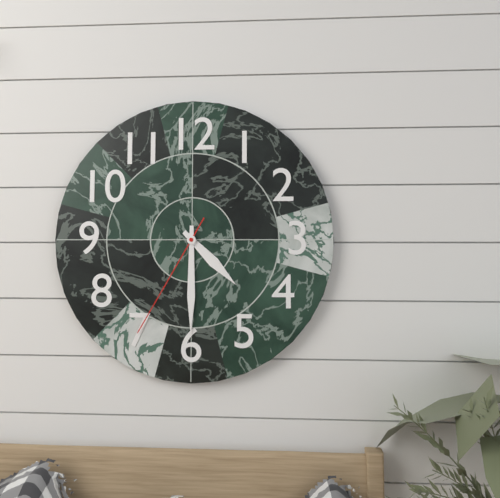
4:30:35
